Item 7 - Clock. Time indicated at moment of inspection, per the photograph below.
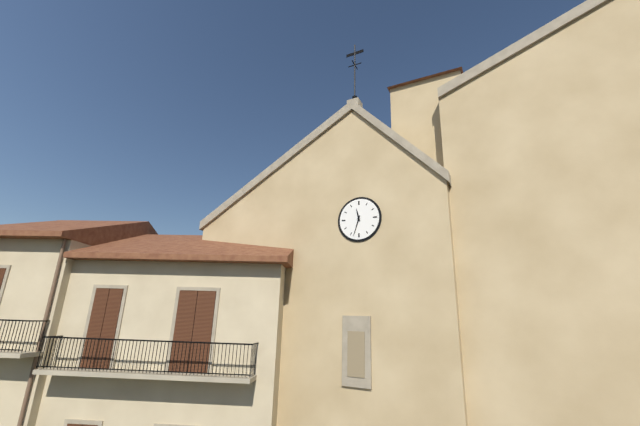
11:33
